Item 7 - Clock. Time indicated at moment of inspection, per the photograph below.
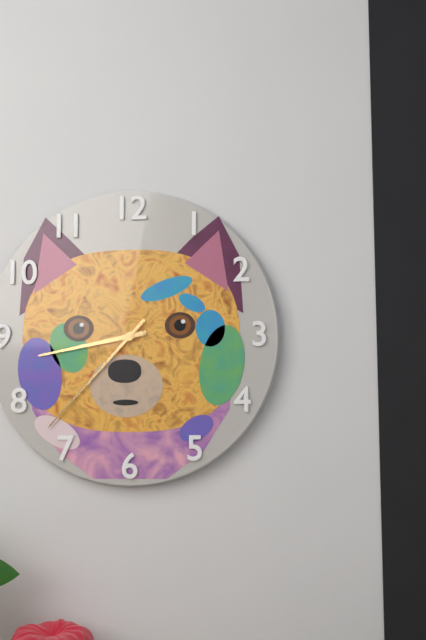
8:37
